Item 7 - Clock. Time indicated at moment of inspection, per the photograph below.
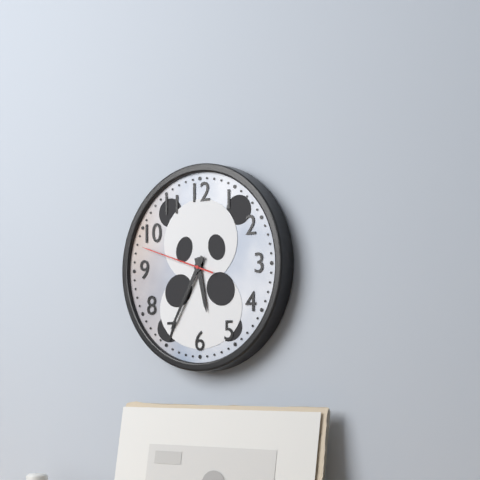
5:35:48
